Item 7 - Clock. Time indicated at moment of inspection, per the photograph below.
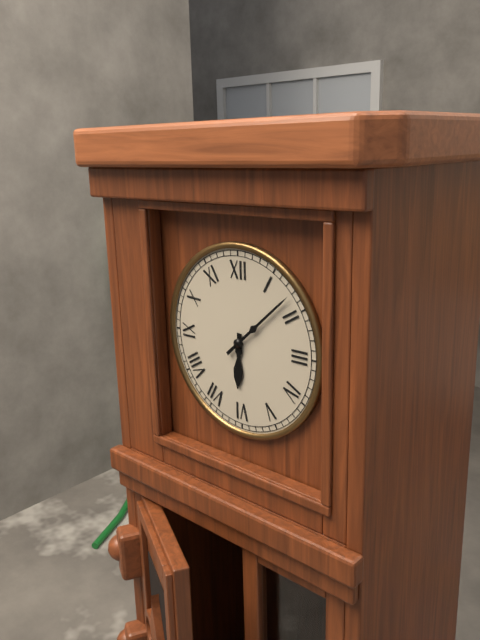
6:08
